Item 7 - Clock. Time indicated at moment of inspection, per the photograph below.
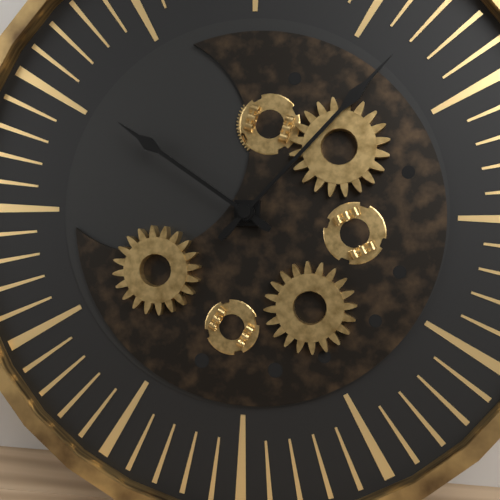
10:07
